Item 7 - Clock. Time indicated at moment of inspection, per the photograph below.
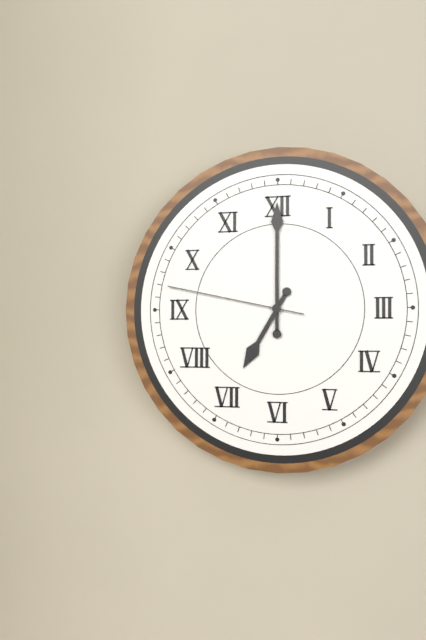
7:00:47
